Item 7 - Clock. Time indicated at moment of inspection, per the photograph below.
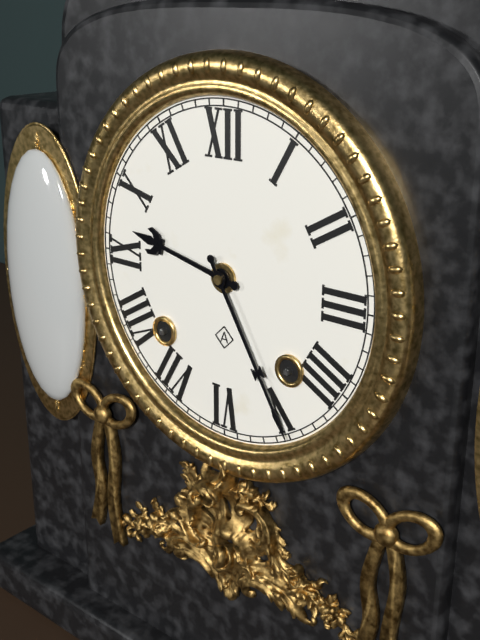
9:25
